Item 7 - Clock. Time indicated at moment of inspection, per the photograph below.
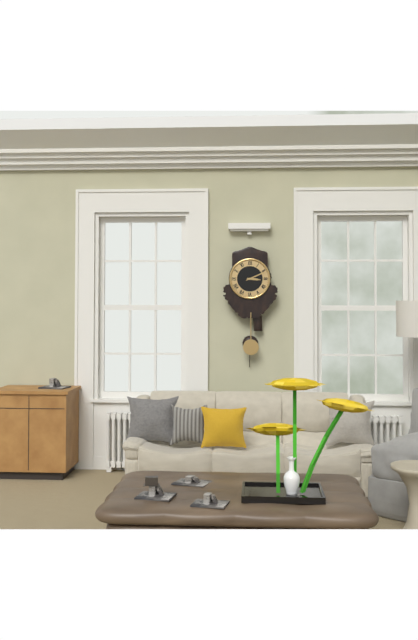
3:11
